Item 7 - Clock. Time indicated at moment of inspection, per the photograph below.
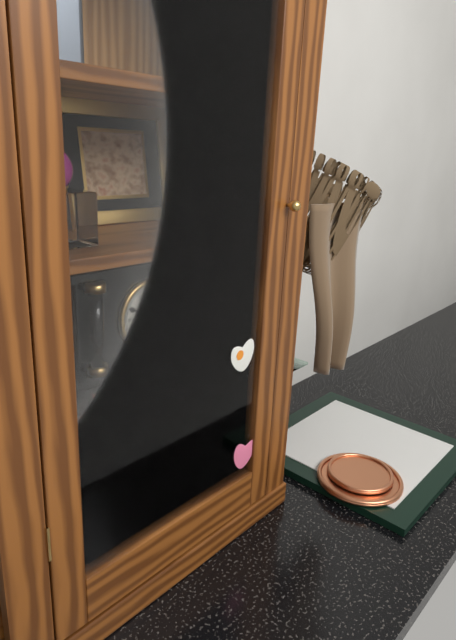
7:49
